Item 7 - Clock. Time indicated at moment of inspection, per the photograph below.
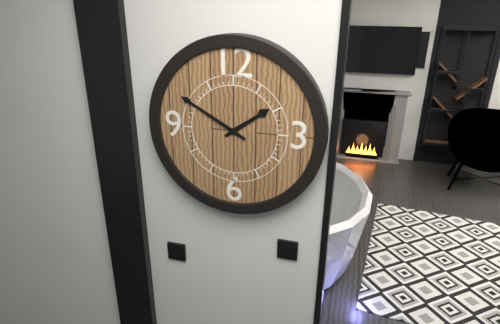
1:50
